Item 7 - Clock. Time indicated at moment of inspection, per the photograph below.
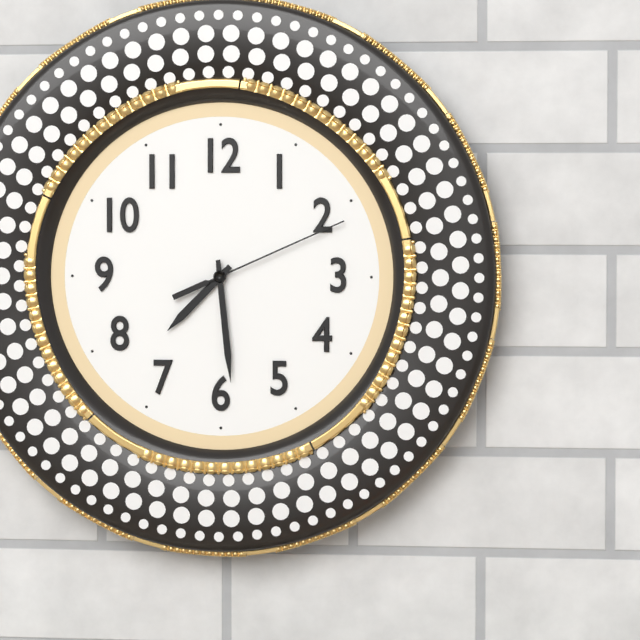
7:29:11
